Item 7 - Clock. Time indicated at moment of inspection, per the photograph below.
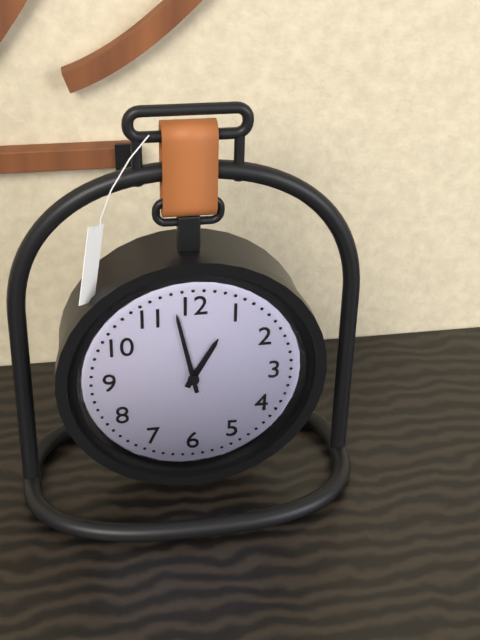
12:58
